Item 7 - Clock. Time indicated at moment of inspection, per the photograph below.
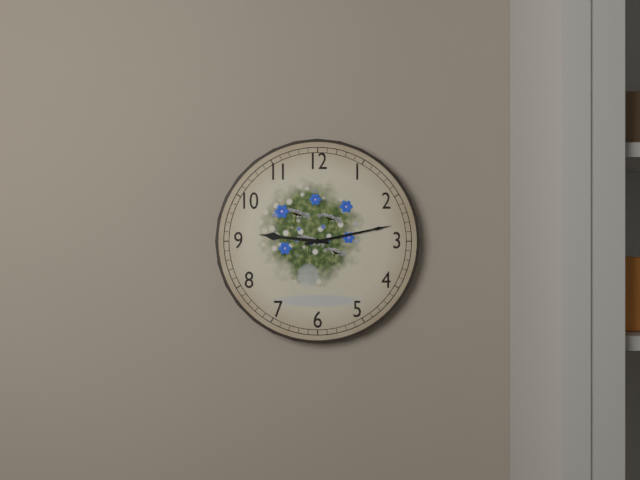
9:13
